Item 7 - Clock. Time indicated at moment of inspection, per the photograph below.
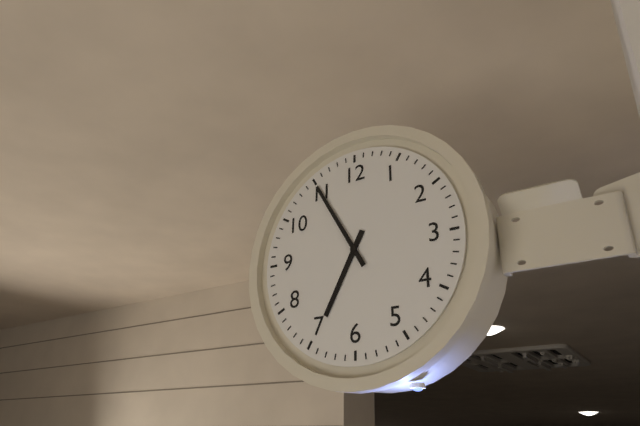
6:55
